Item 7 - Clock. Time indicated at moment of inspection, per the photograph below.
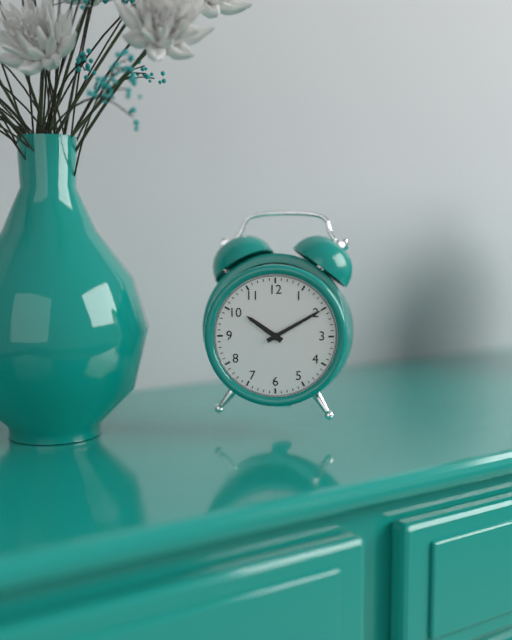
10:10
